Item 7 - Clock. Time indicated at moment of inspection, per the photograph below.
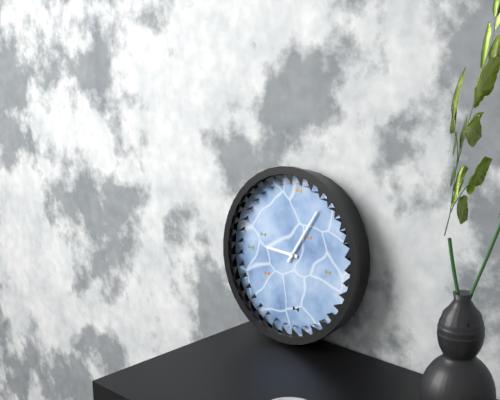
9:05
